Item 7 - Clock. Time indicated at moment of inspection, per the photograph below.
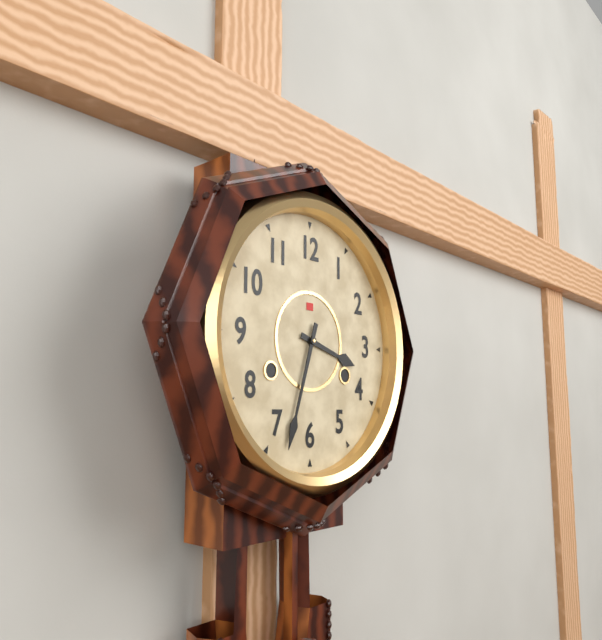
3:33
